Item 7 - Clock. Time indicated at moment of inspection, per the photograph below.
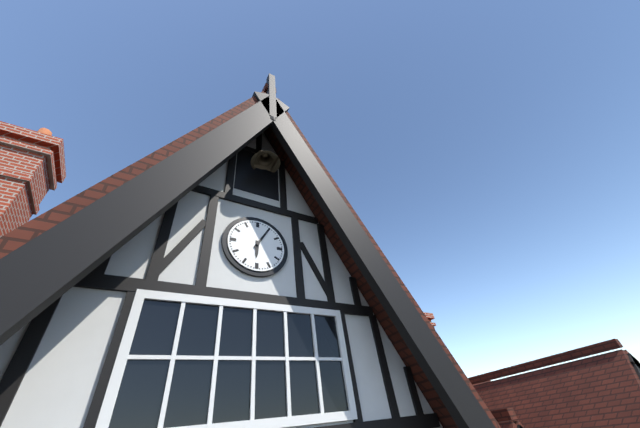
6:05
